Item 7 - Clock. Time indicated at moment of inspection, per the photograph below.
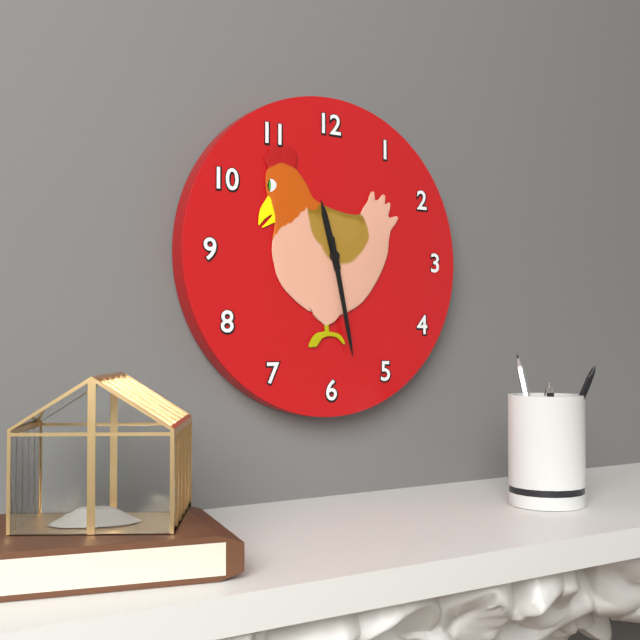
11:28
